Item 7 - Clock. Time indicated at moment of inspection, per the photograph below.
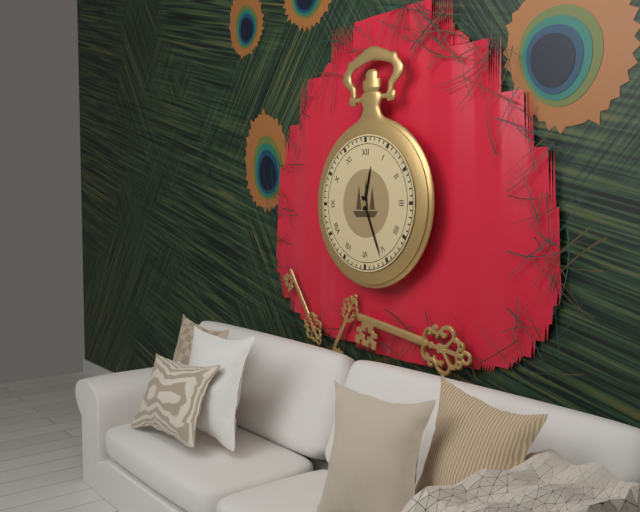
12:26
